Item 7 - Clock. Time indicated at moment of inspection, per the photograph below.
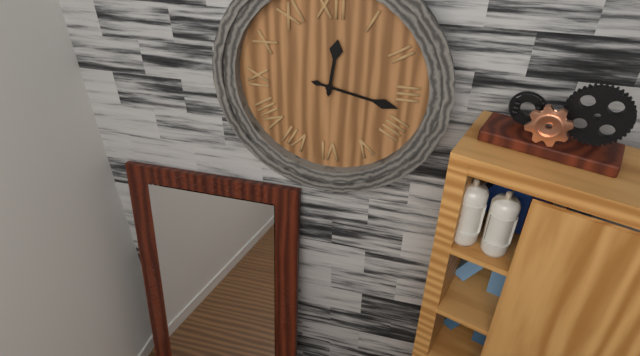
12:17
